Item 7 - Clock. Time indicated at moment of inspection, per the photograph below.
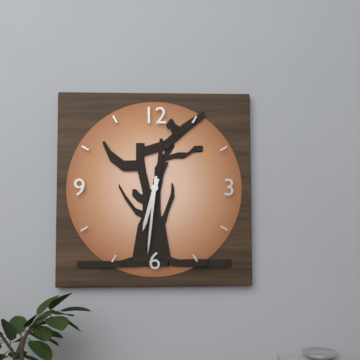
6:31
